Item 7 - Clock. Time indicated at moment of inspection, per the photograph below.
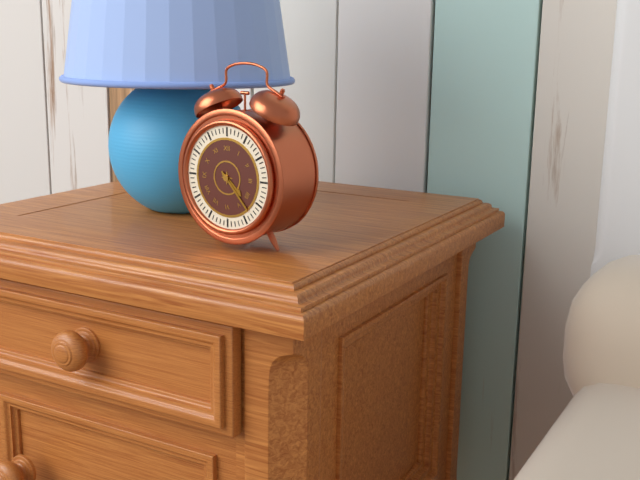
4:23
